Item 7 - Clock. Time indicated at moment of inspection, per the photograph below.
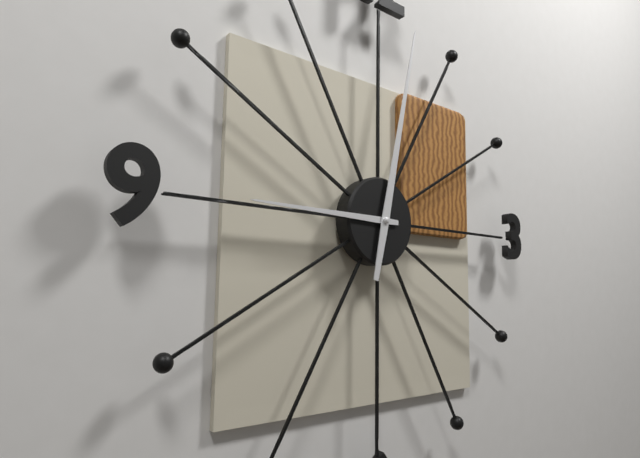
9:02
